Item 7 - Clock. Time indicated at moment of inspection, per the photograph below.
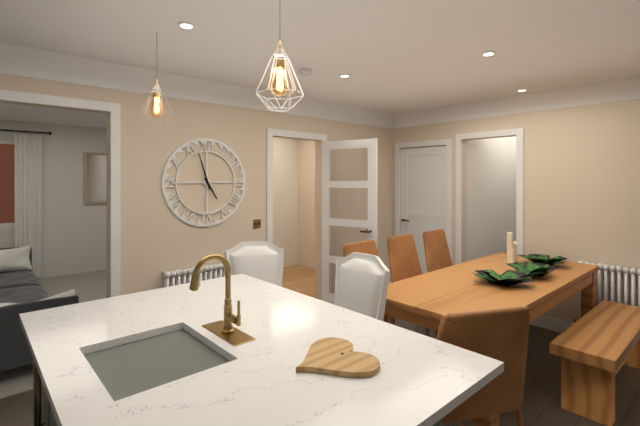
4:57
